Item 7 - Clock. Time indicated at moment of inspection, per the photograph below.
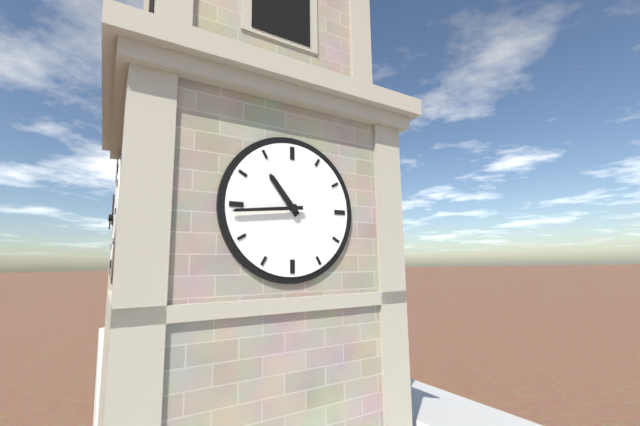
10:44
